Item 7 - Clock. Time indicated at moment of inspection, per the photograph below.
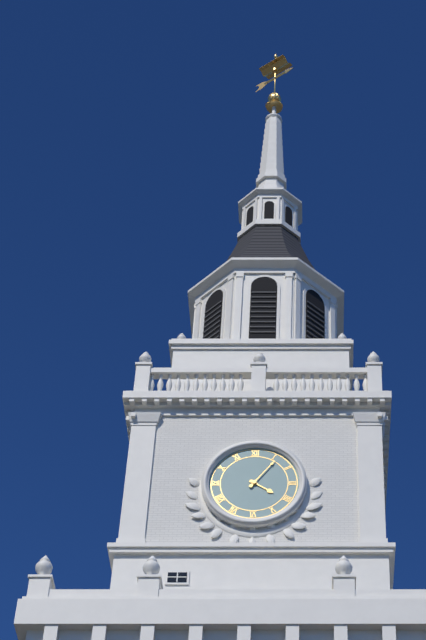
4:06
